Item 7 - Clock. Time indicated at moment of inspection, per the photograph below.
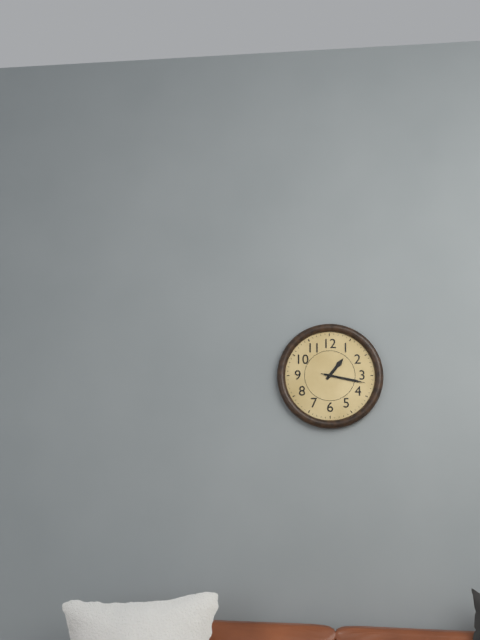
1:17
